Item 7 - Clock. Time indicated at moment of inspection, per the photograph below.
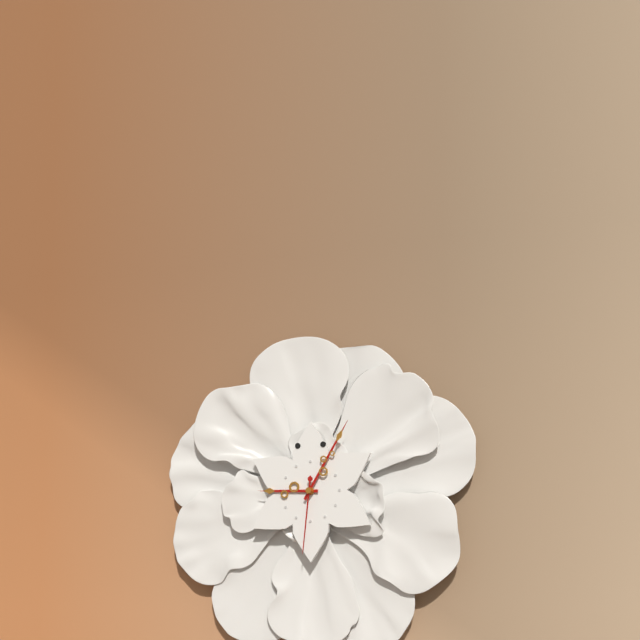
9:05:31
